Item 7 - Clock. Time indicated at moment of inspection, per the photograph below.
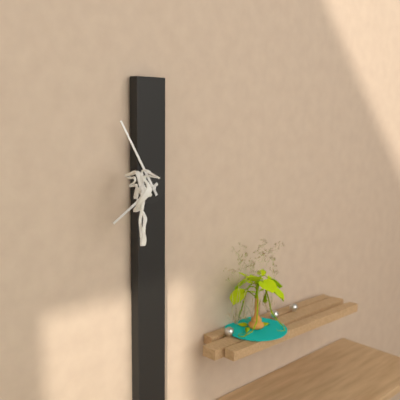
7:55
